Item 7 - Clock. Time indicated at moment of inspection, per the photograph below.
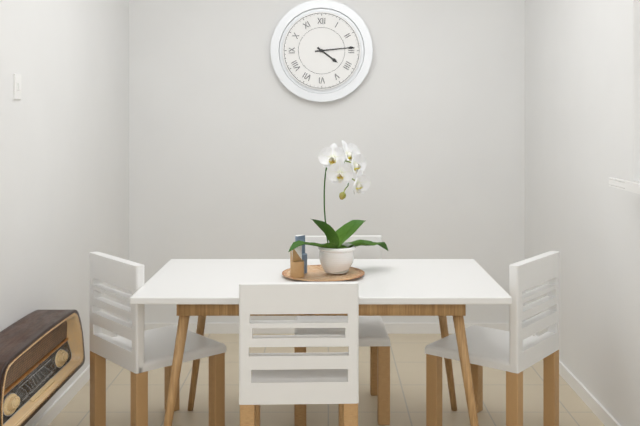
4:14
